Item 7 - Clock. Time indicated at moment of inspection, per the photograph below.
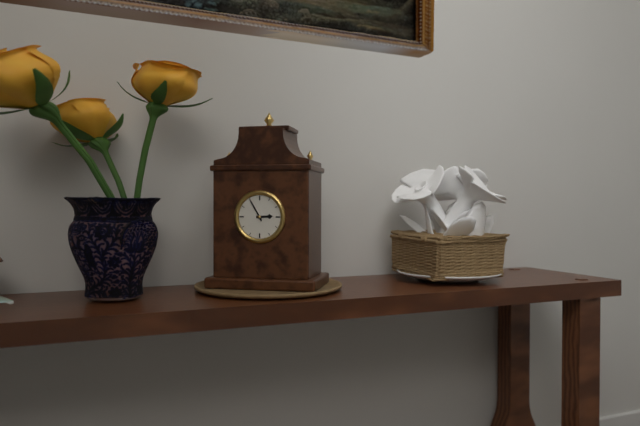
2:55
